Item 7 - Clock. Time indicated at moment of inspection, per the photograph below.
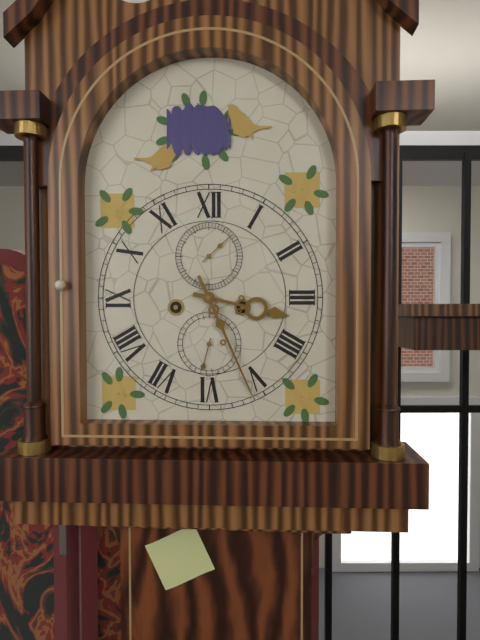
3:26
